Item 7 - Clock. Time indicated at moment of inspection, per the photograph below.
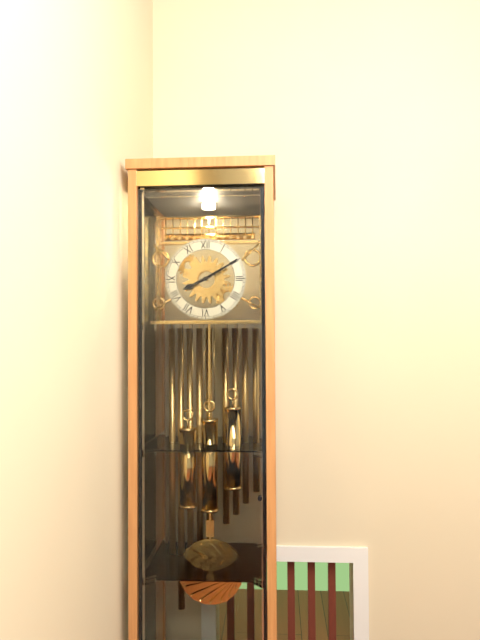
8:10
